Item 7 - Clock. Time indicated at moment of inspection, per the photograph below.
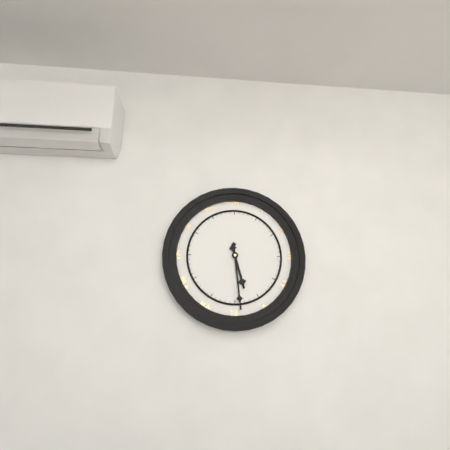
5:29
